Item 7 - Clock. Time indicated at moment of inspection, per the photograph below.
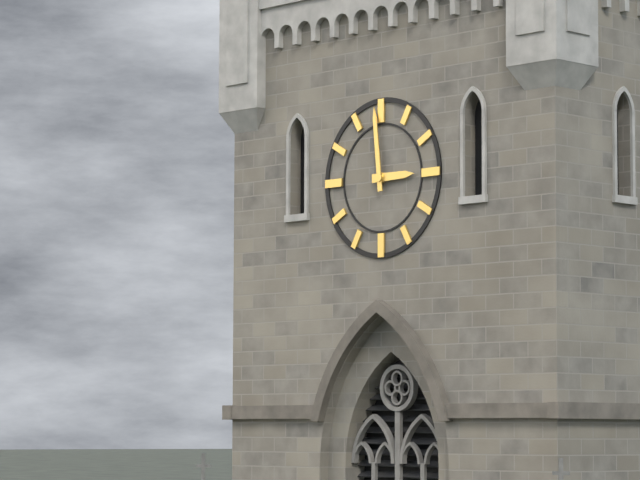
2:59
